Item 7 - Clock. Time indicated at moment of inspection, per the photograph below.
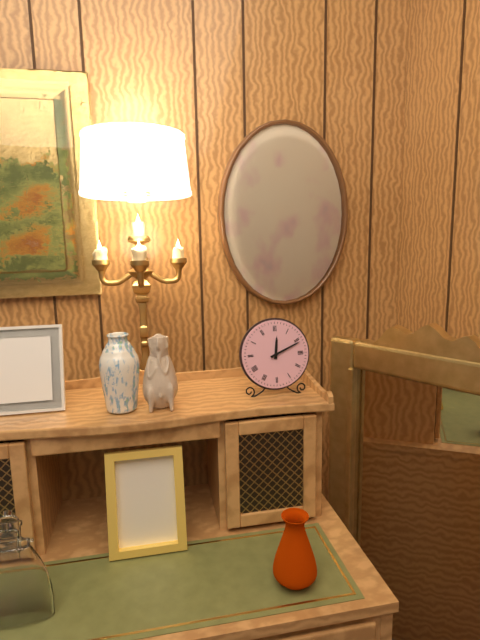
12:11
